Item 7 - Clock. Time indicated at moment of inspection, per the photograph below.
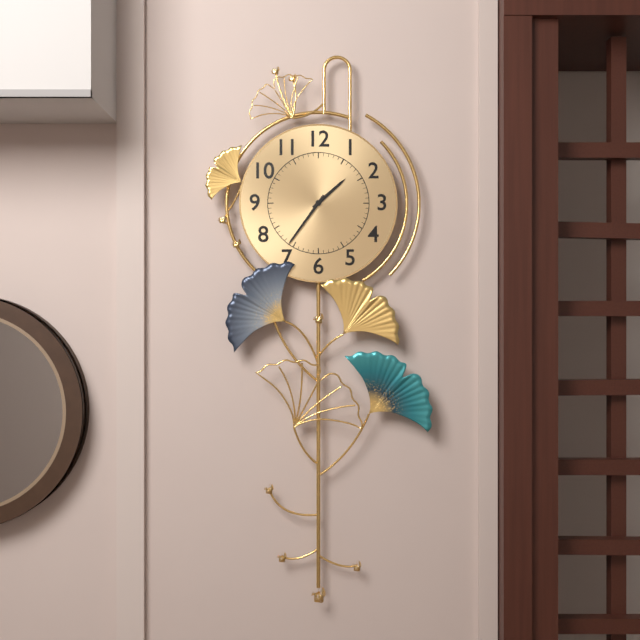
1:36
